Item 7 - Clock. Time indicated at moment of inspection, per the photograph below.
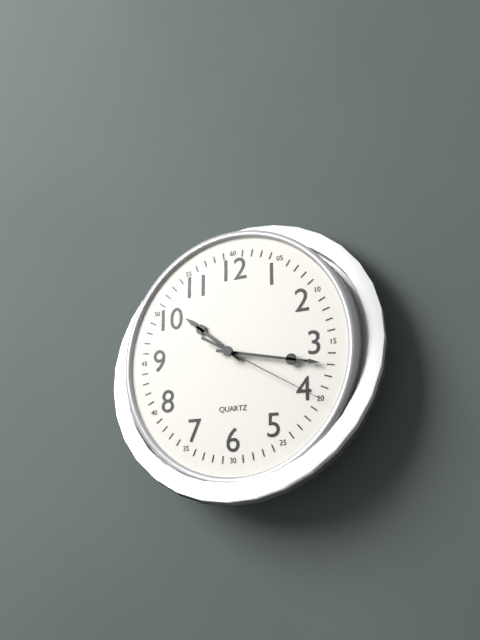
10:17:20
